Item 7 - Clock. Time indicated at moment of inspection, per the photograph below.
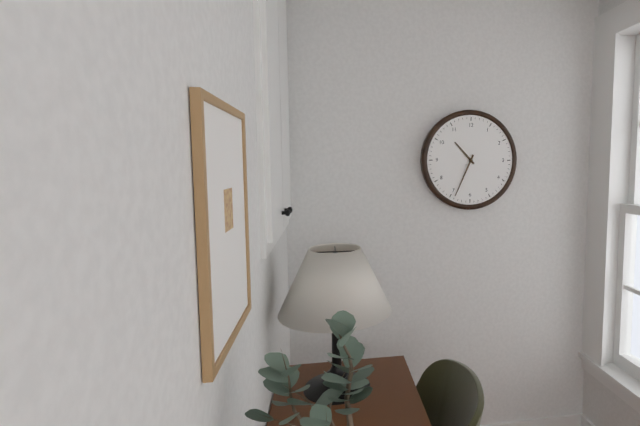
10:34
